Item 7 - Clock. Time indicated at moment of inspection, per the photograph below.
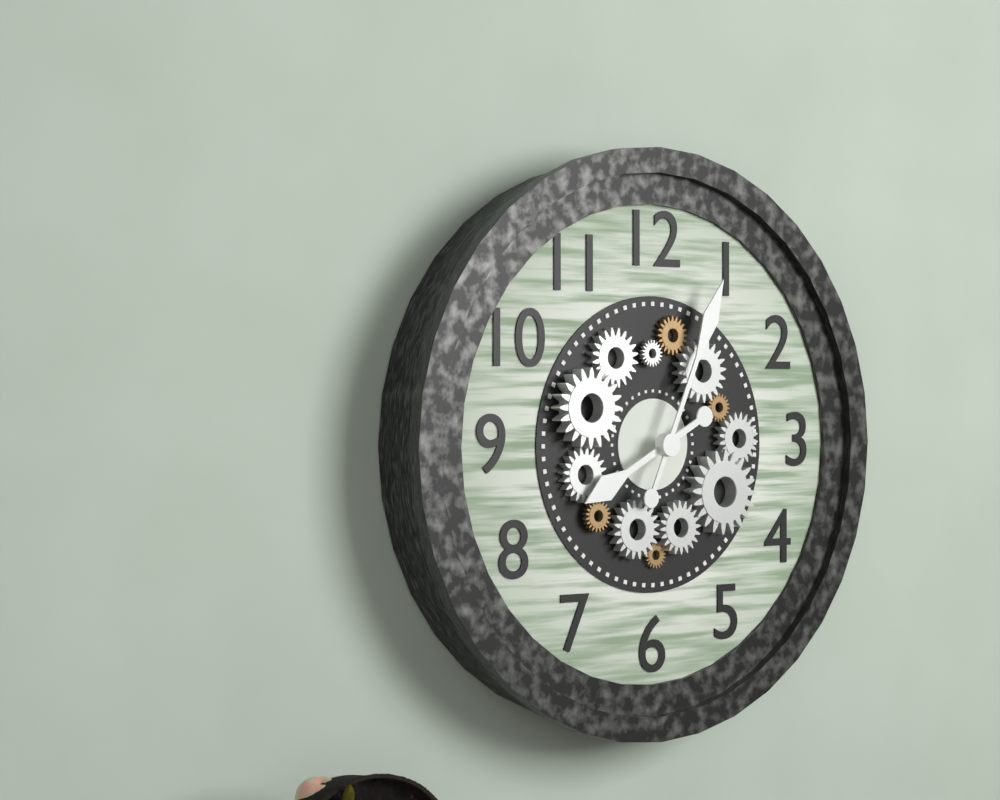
8:04
